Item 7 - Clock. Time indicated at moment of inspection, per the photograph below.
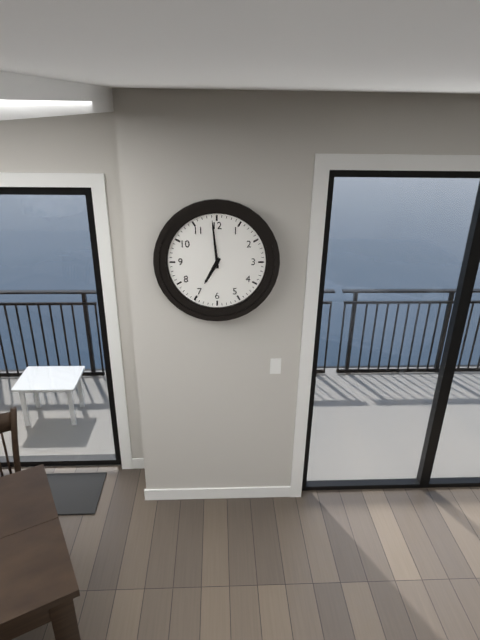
6:59
